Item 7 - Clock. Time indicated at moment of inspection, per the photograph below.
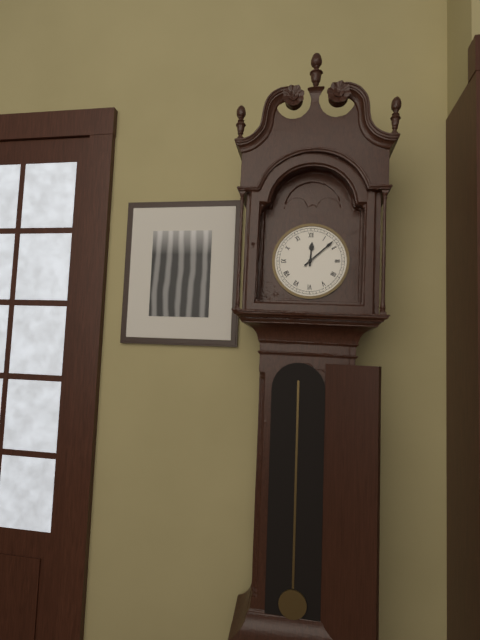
12:08
